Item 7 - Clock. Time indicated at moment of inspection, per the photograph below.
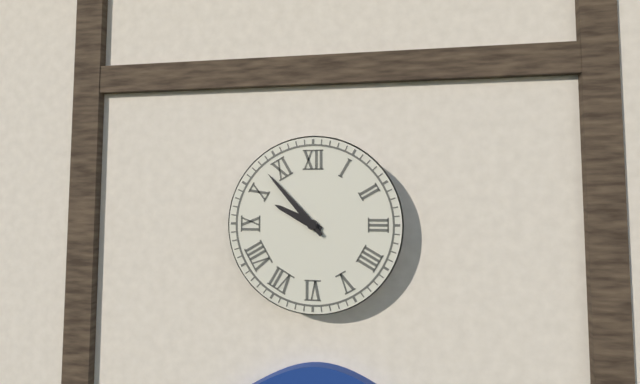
9:53
